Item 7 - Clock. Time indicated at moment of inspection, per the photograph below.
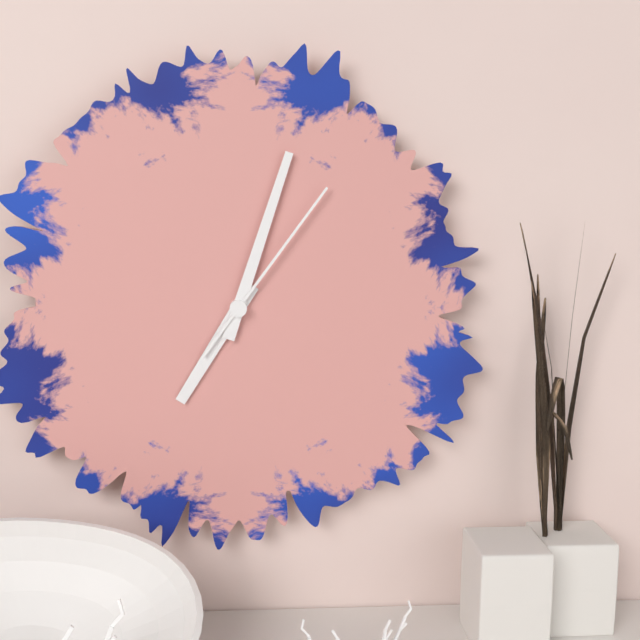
7:03:06
